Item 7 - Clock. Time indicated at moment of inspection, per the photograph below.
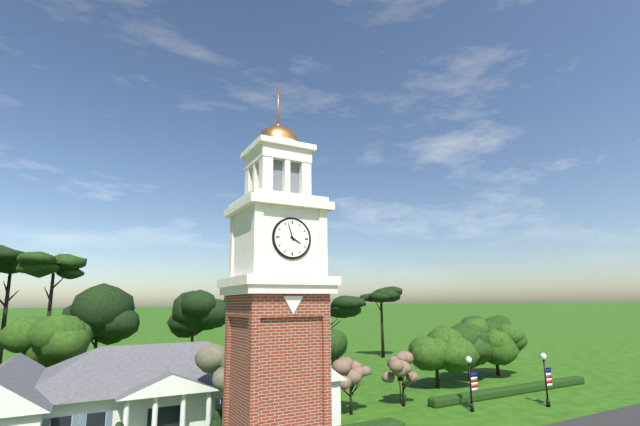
3:57
